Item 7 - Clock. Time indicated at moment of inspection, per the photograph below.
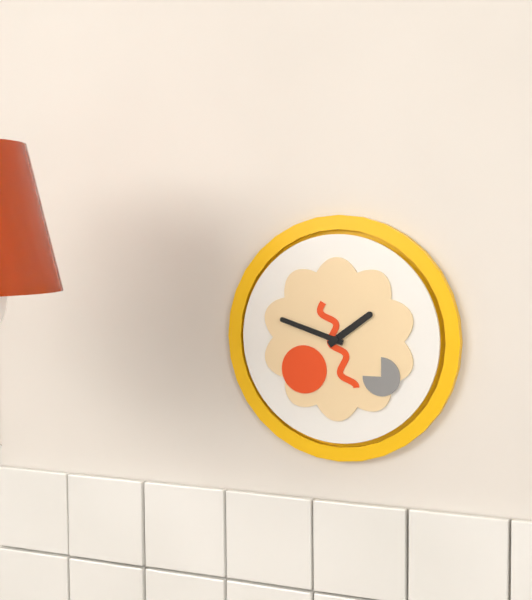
1:48
